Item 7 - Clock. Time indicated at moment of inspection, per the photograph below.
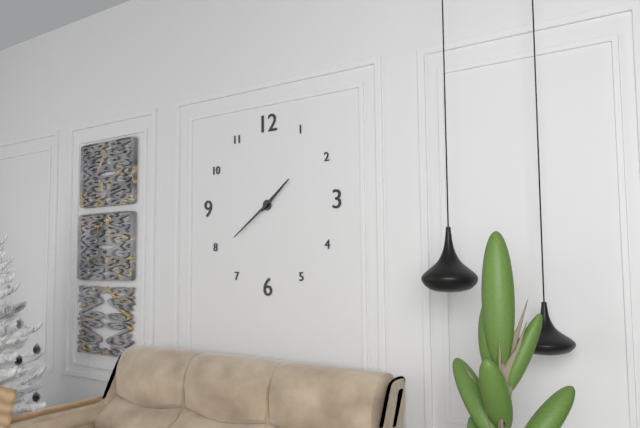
1:39
